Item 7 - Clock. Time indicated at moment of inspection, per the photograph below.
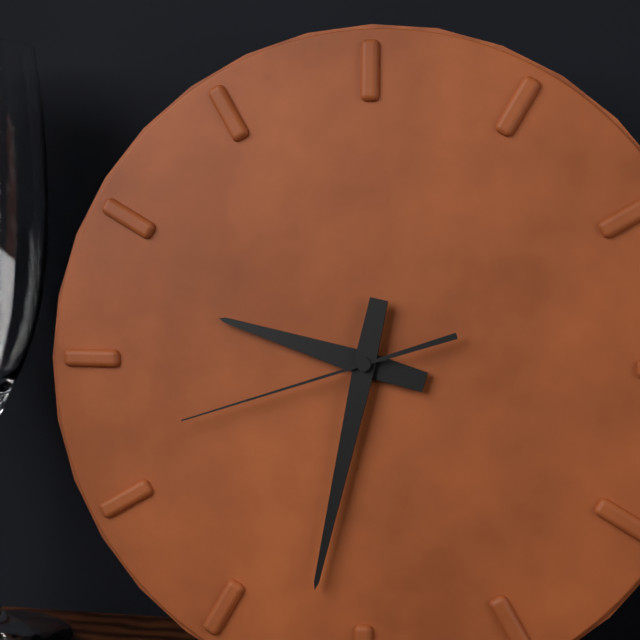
9:32:42
